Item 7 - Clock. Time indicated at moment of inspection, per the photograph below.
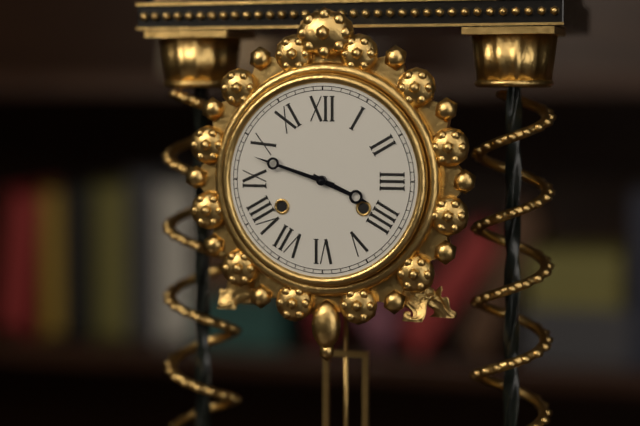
3:48
